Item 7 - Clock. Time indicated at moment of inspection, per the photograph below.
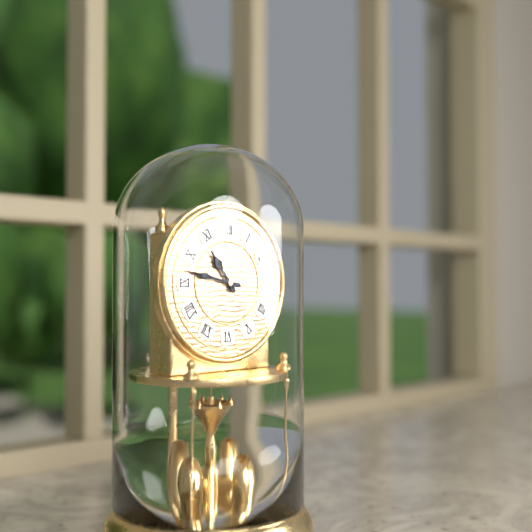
10:47
